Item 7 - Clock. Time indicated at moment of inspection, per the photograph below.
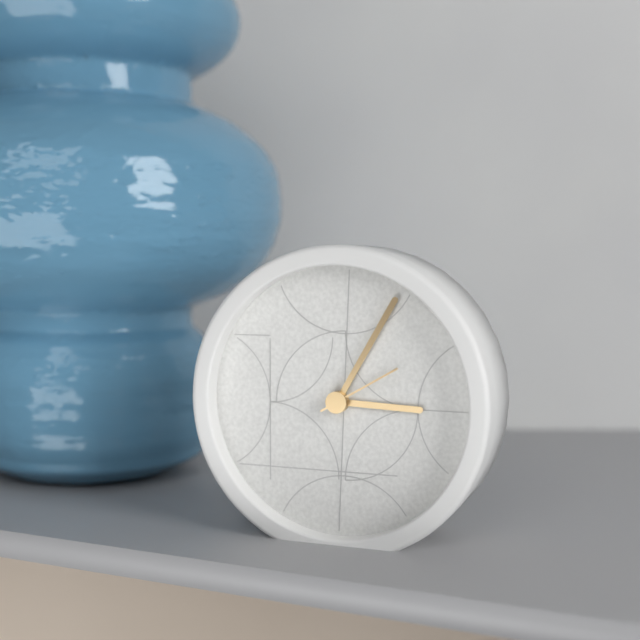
3:05:10
